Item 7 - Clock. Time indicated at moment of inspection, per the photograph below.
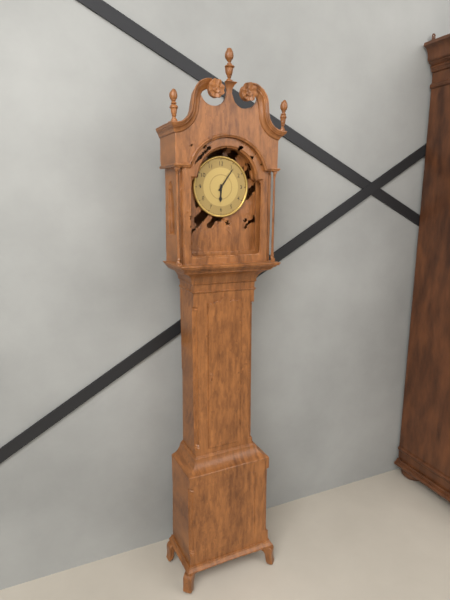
6:06
